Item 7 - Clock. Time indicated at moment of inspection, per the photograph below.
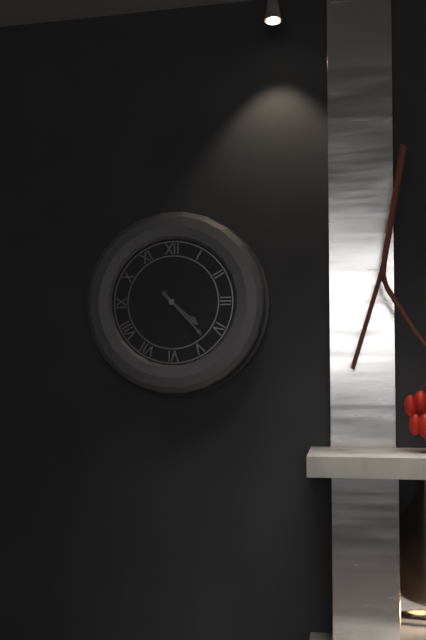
4:23
